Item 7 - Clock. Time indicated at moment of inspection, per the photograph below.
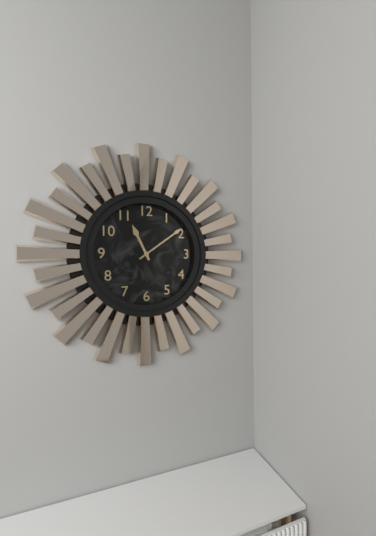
11:09
